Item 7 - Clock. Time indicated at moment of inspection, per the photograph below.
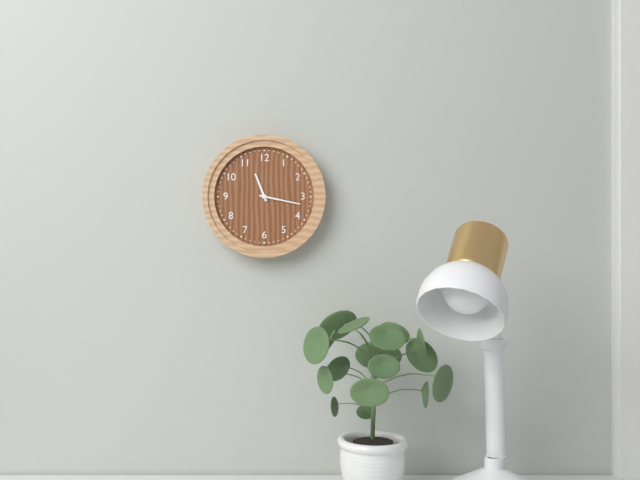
11:17
